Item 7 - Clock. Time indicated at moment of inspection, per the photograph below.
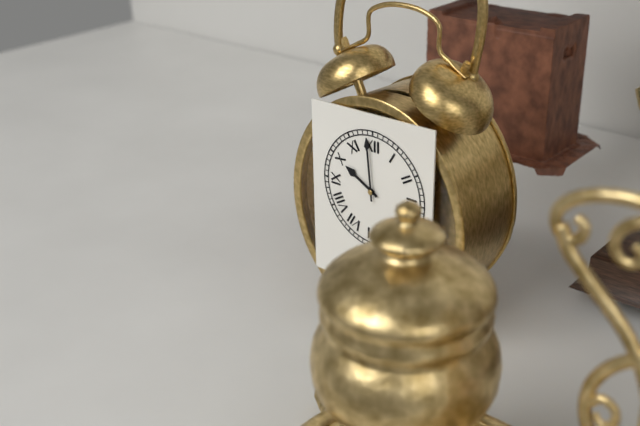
9:59
